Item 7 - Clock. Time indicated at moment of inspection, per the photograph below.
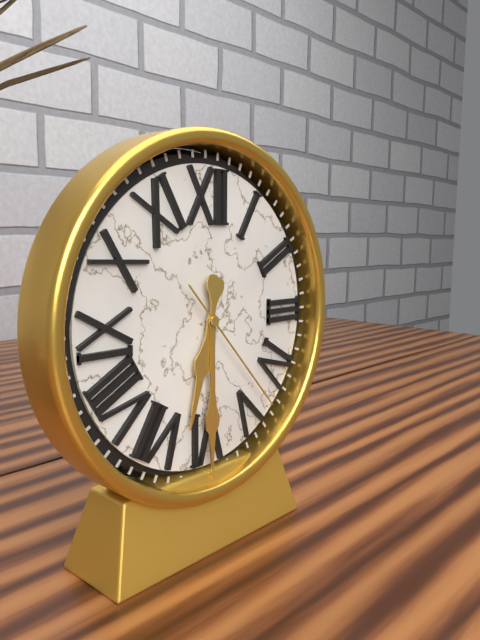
6:30:23
